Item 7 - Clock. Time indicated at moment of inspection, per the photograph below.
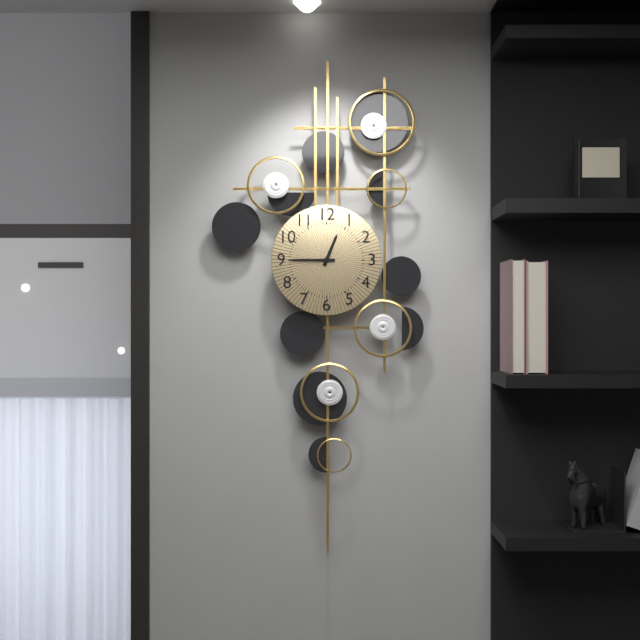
12:45
